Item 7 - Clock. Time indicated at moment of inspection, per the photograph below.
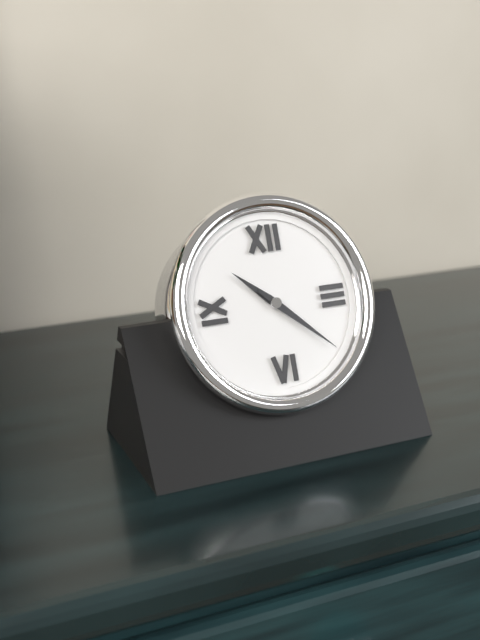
10:22
